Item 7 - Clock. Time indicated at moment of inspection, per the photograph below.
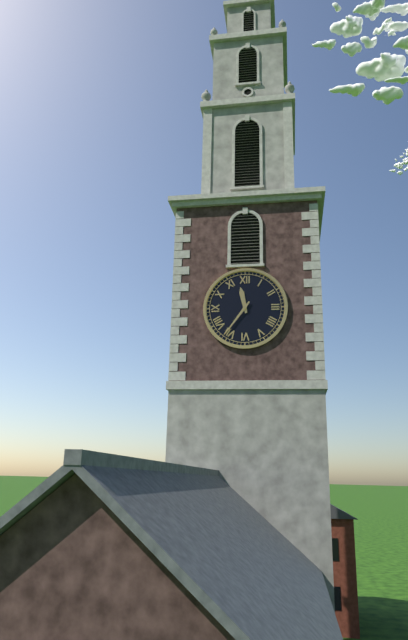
11:36
